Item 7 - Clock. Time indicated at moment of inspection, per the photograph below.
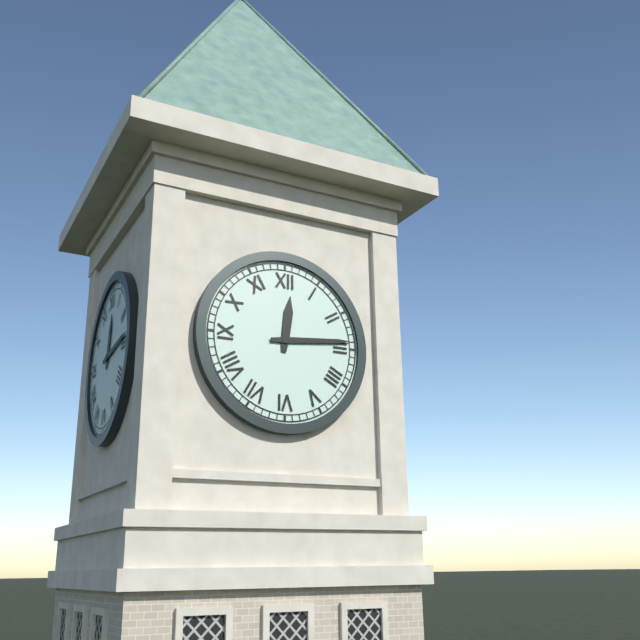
12:14
